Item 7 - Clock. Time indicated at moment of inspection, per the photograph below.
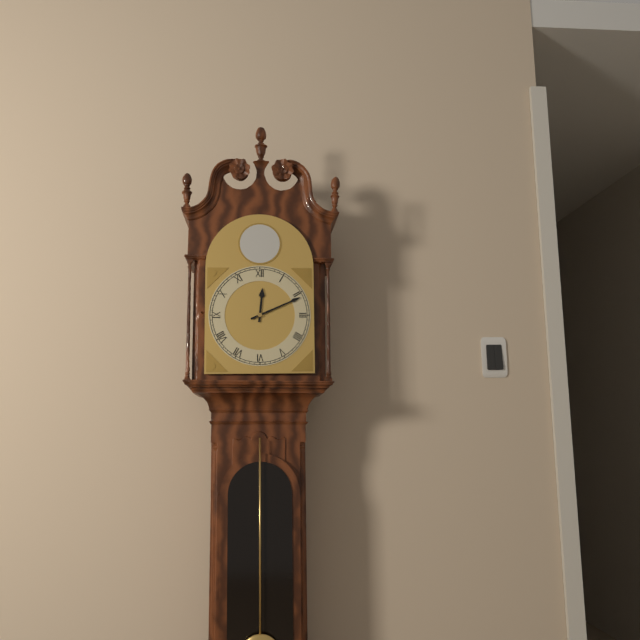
12:11
